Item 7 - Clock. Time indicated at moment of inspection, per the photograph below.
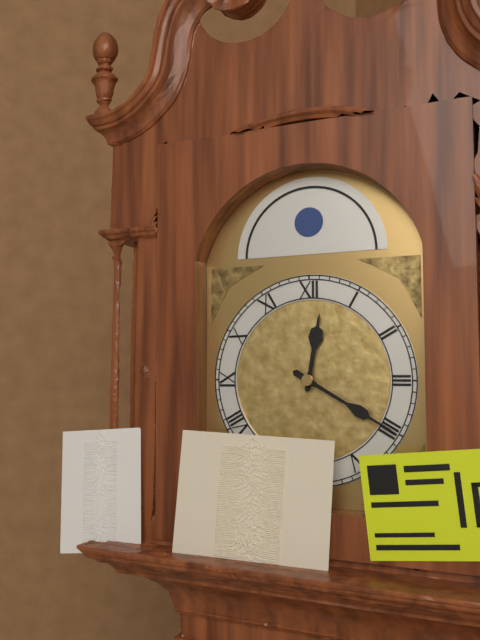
12:20
